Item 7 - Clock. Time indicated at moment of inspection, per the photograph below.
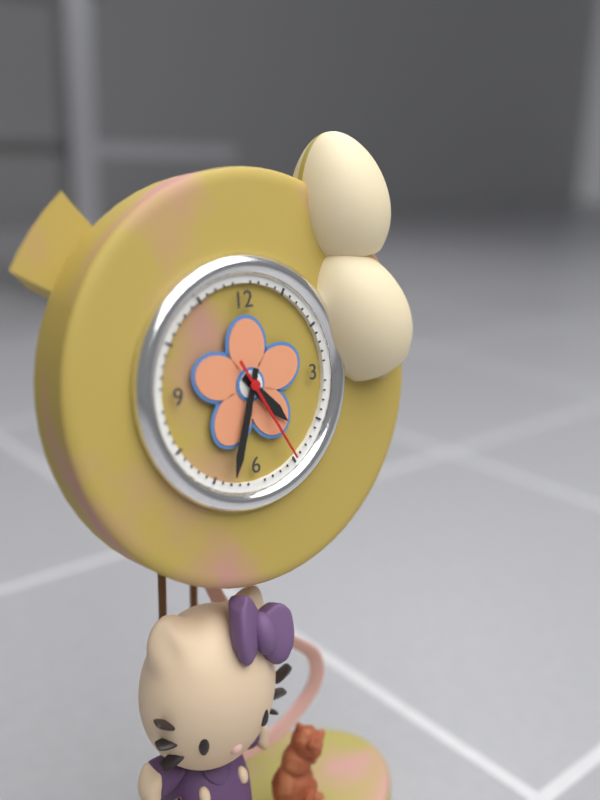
4:33:25
